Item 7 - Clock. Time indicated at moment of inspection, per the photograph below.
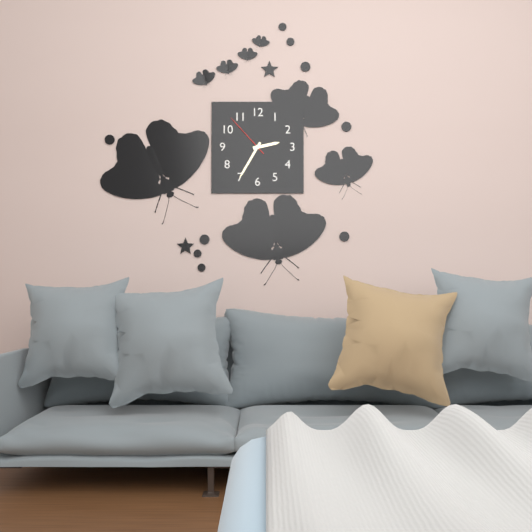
2:35:53
